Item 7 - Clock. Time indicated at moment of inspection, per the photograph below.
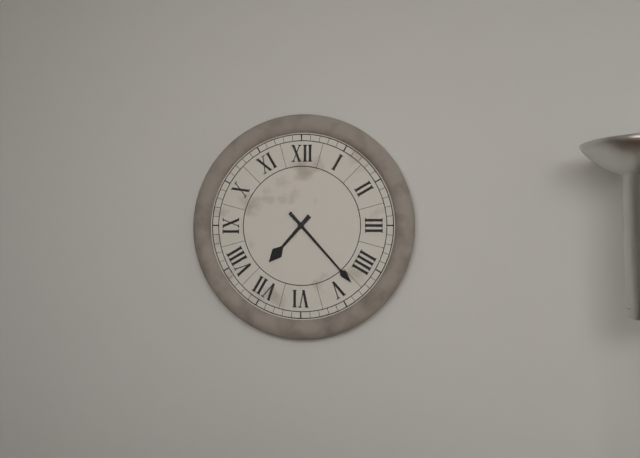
7:23
